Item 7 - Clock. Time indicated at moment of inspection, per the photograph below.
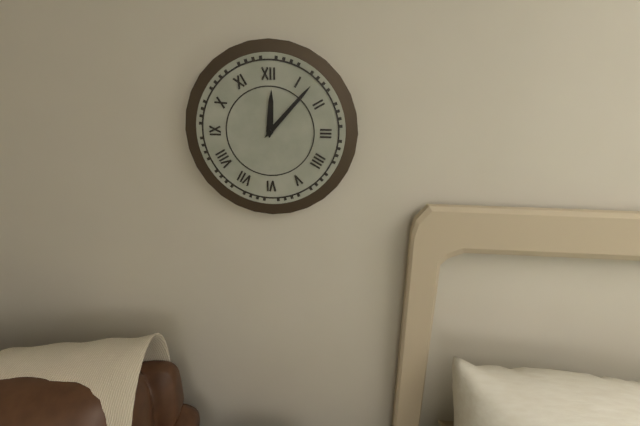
12:07
